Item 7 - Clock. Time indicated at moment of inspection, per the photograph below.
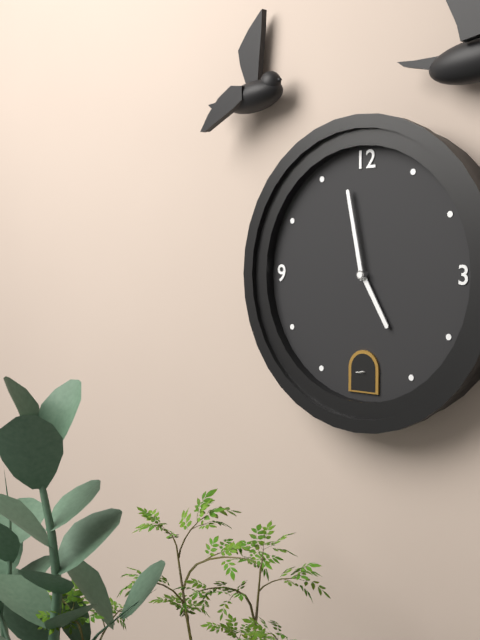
4:58
